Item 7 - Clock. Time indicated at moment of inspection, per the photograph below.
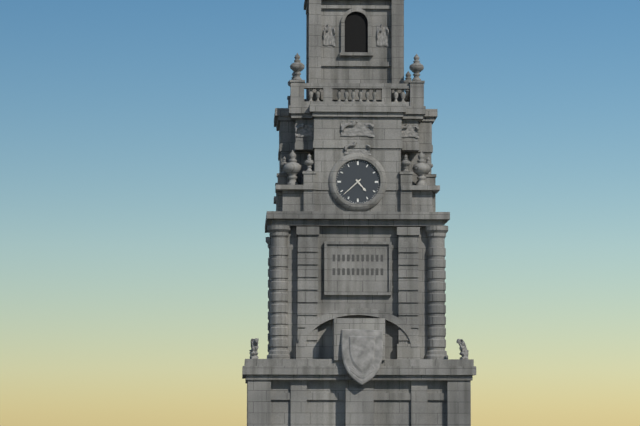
4:38
